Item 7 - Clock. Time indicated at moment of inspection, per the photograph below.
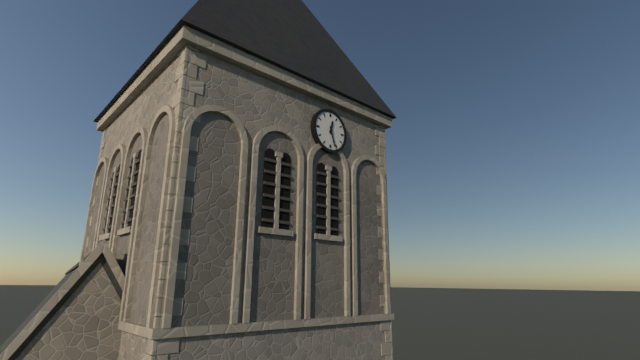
12:27
